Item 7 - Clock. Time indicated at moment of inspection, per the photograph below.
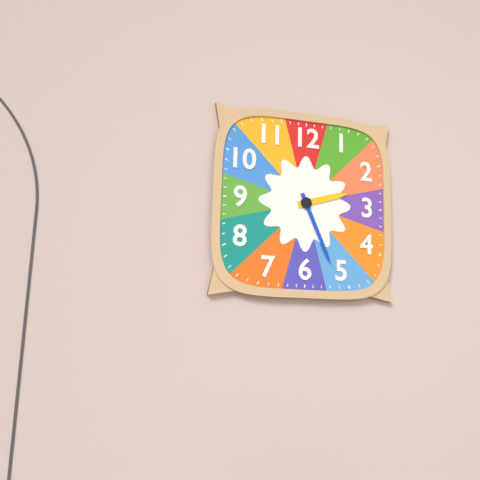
2:26
